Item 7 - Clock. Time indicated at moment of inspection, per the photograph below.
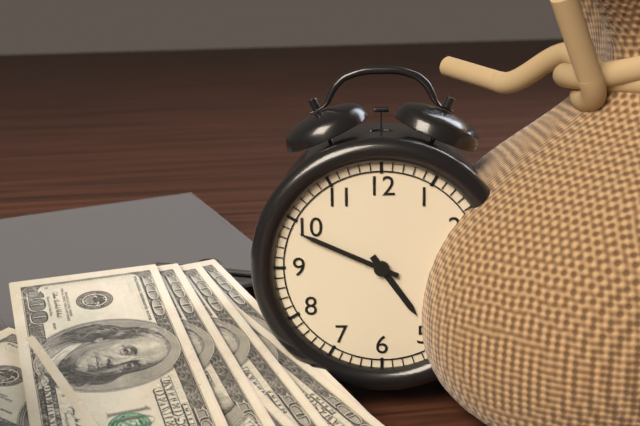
4:49
